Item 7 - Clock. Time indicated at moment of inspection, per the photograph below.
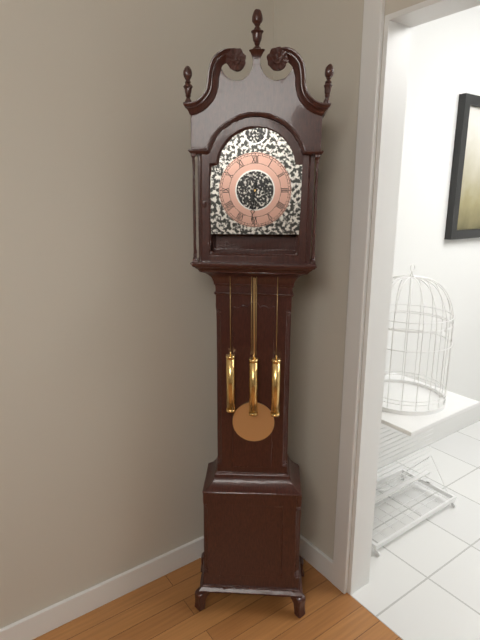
6:31
